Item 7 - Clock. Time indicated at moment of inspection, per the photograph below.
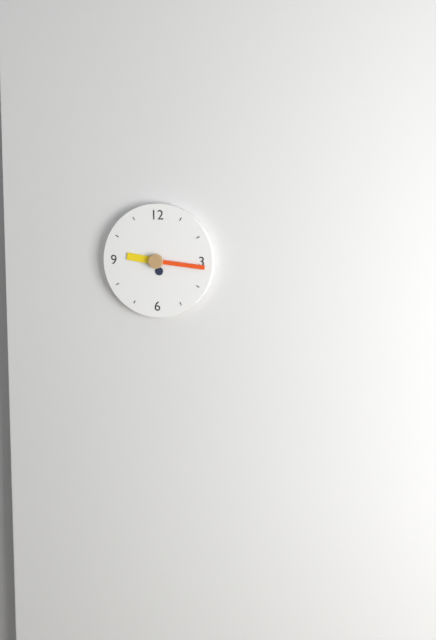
9:16
